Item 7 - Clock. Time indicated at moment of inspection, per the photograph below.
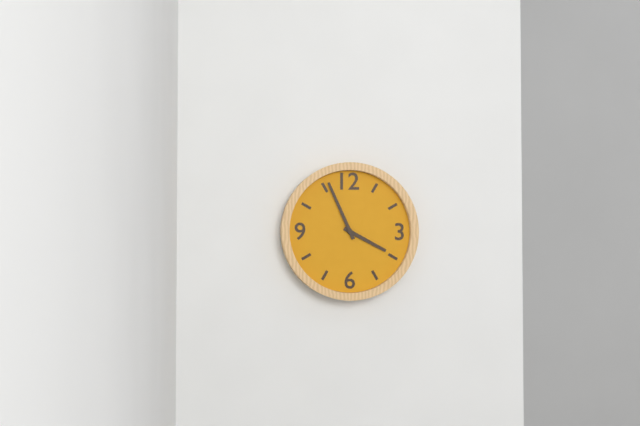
3:56
